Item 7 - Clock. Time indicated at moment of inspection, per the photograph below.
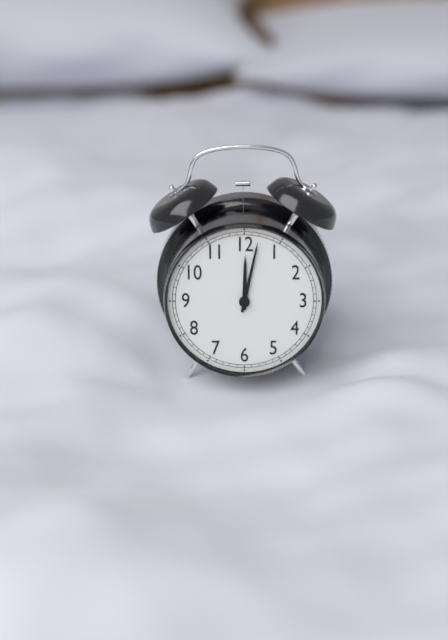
12:02
